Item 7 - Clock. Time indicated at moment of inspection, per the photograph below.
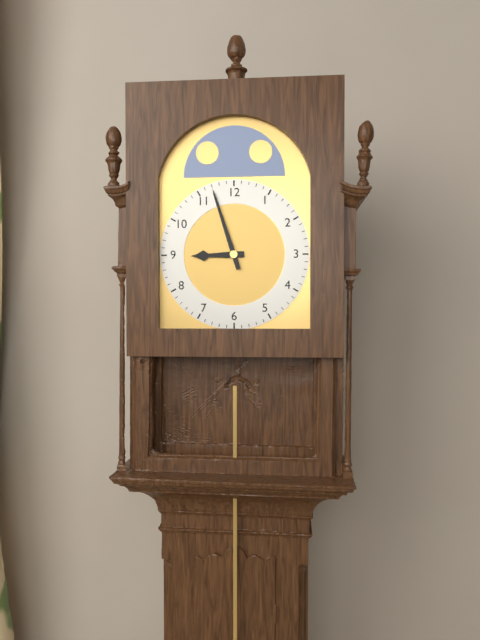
8:57
